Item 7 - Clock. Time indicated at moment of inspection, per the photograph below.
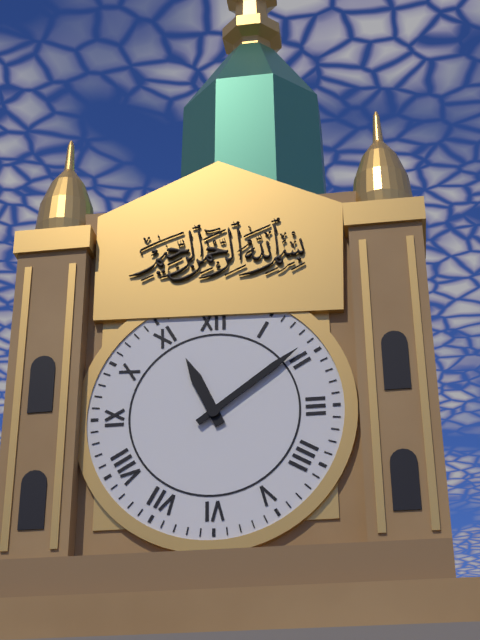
11:09
